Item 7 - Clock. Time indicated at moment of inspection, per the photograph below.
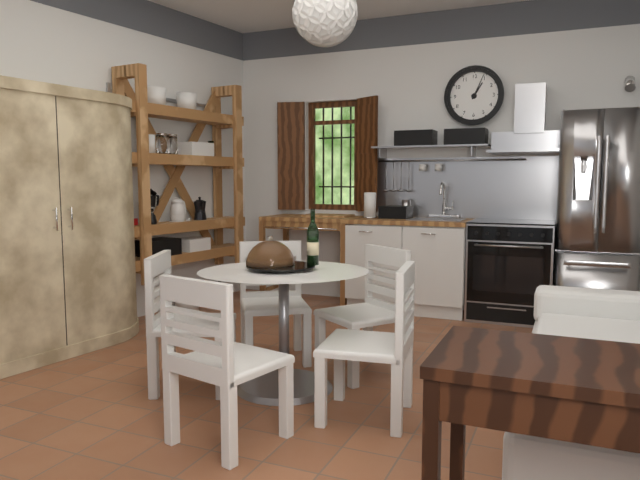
1:04
